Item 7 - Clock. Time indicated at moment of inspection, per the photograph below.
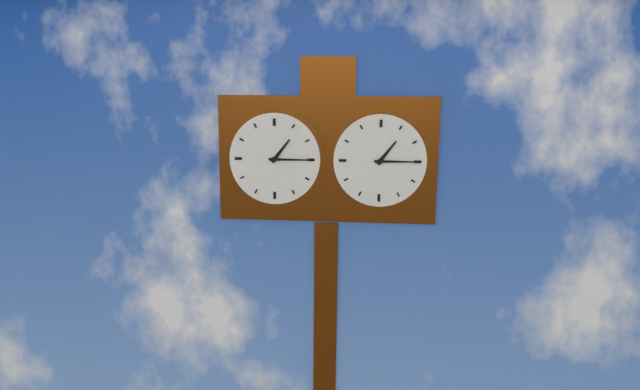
1:15
